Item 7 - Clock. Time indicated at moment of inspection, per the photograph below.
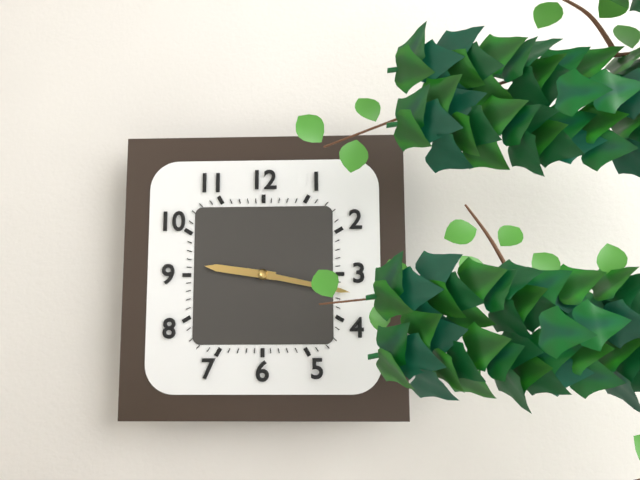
9:17
